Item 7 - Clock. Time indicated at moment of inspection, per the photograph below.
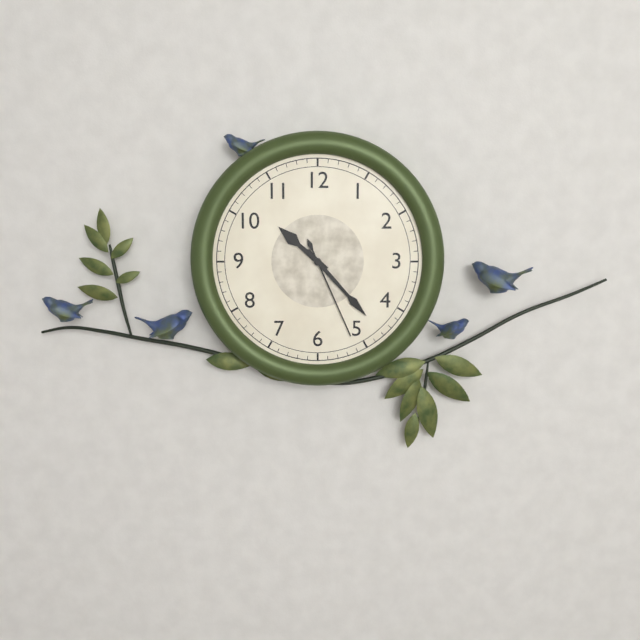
10:23:26
